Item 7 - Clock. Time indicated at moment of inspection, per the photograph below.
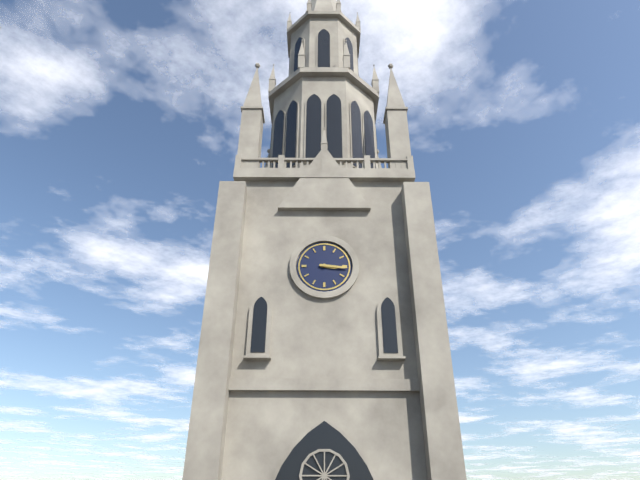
3:16
